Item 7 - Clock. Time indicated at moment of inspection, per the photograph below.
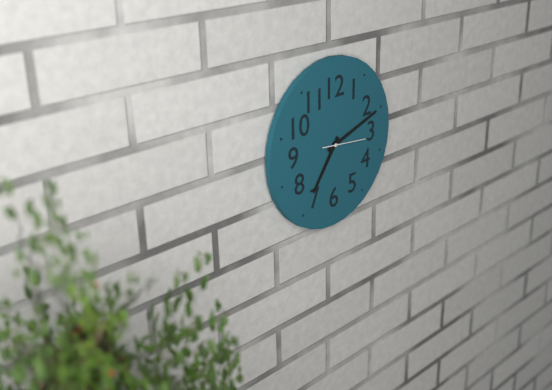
7:12
